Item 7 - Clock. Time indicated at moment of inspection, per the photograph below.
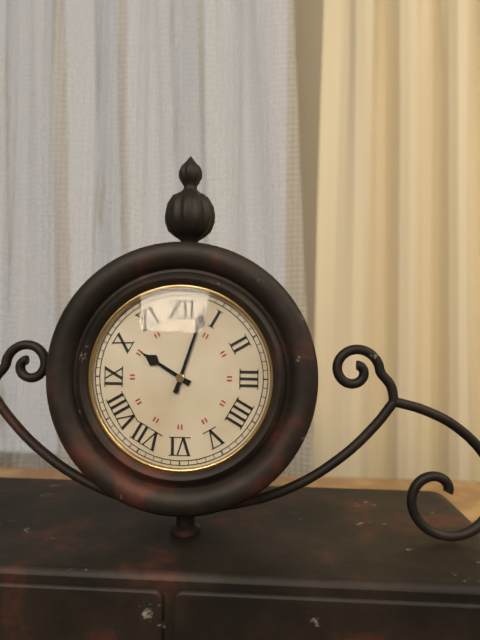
10:03
